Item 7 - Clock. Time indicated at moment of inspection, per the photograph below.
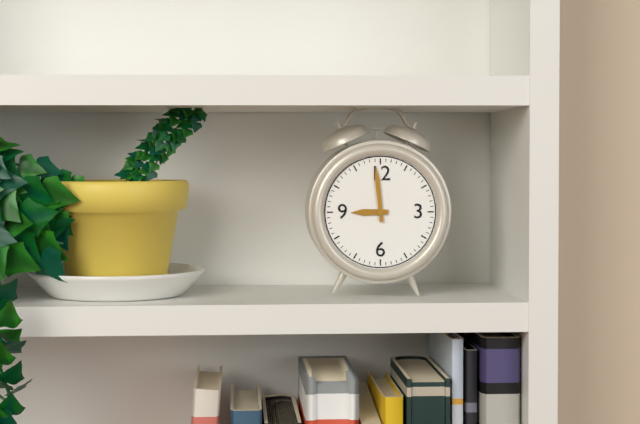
8:59
